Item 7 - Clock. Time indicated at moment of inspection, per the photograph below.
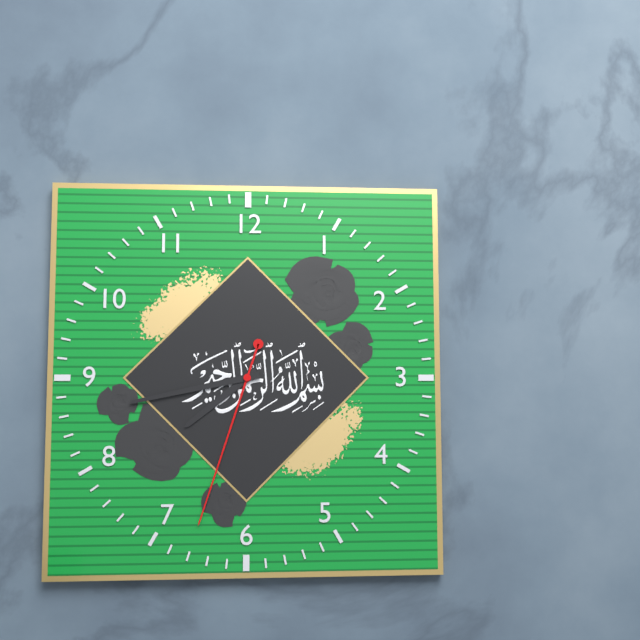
7:43:33
